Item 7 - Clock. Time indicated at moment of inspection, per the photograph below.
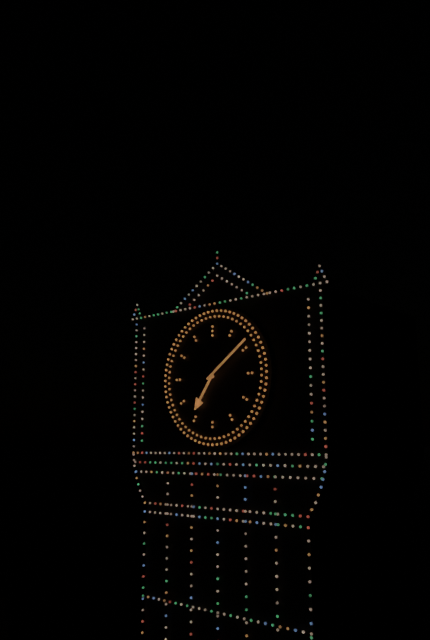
7:09
